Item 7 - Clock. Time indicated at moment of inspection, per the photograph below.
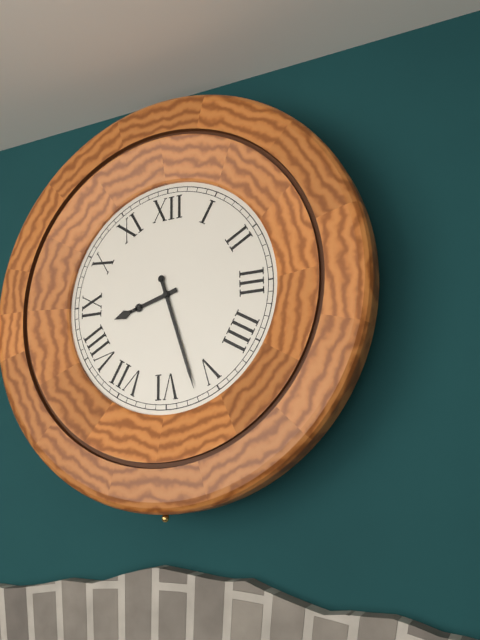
8:27
